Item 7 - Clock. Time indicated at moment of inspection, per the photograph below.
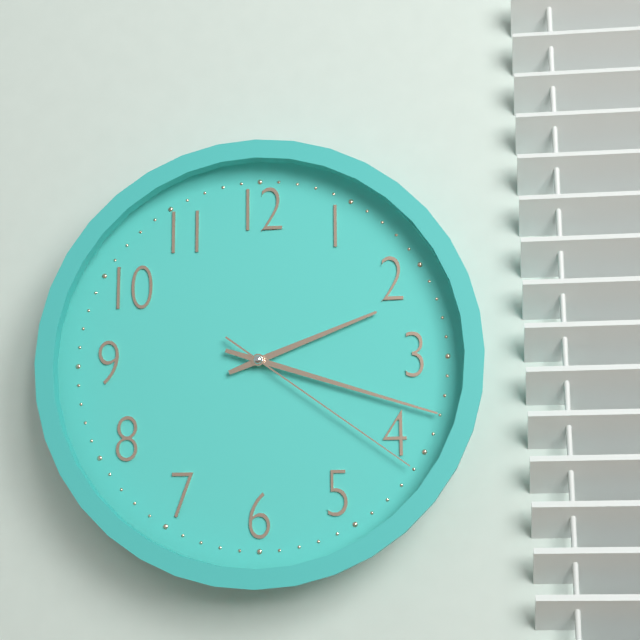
2:18:21
